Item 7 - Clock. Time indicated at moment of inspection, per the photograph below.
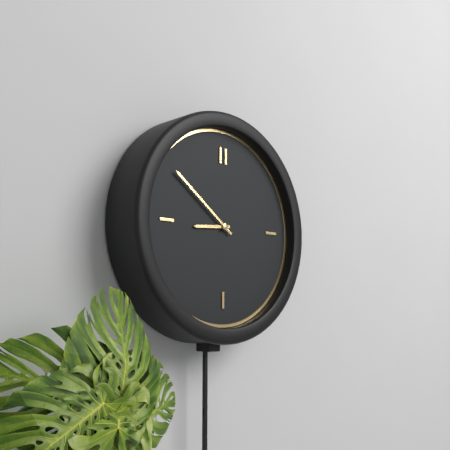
8:51
